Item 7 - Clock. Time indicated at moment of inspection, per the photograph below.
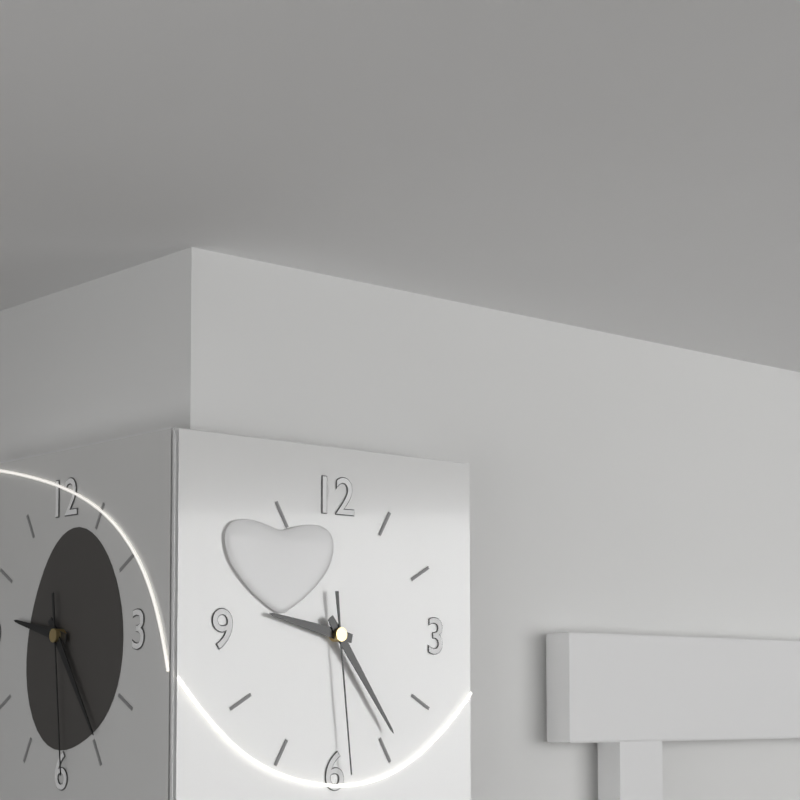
9:24:29
